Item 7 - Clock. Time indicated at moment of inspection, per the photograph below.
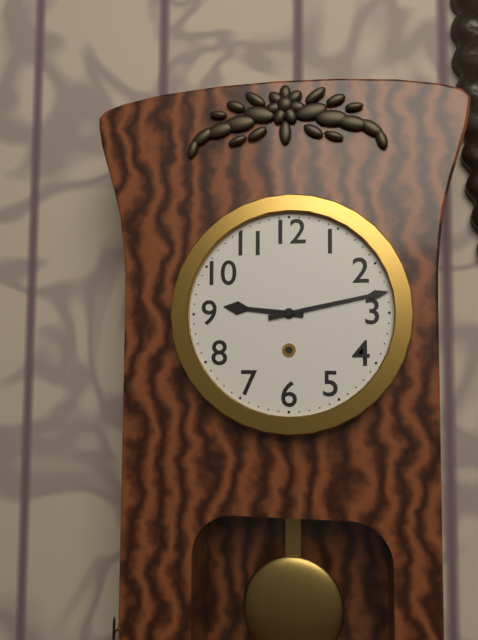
9:13
